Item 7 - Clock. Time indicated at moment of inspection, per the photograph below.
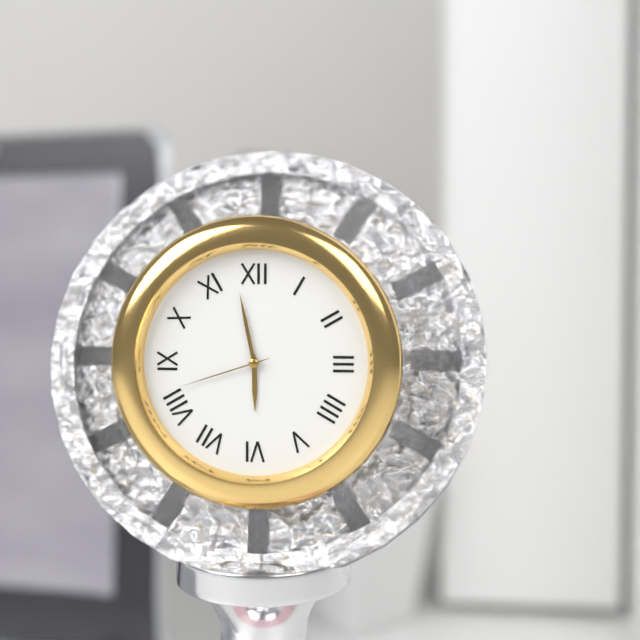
5:58:42
